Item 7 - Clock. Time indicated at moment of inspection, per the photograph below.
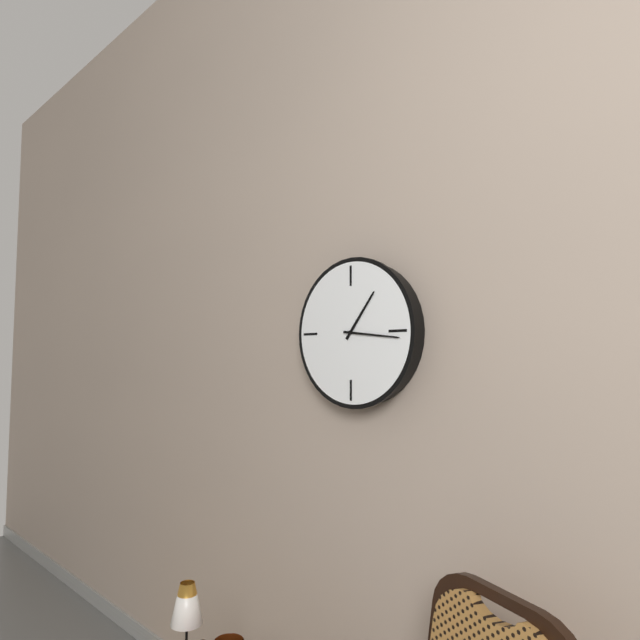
1:16
